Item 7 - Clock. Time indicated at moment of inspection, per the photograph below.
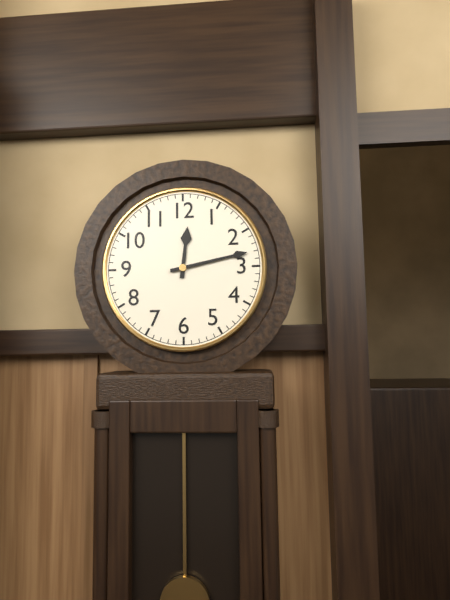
12:13
